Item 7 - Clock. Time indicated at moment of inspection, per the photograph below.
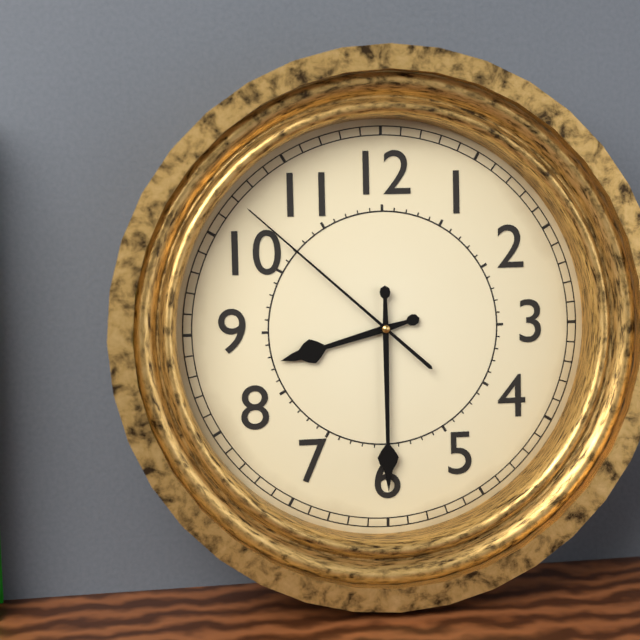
8:30:52
